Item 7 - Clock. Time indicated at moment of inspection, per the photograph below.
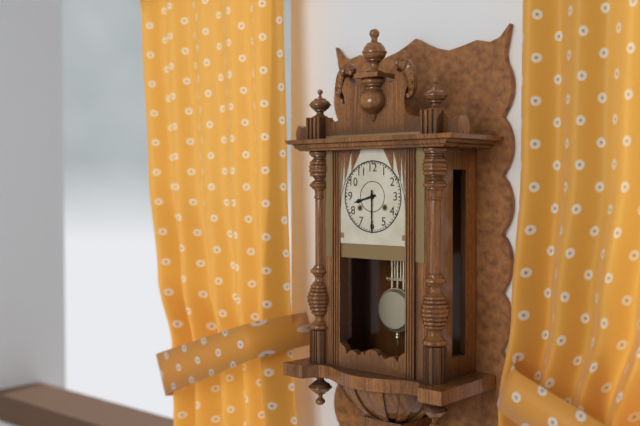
8:30
